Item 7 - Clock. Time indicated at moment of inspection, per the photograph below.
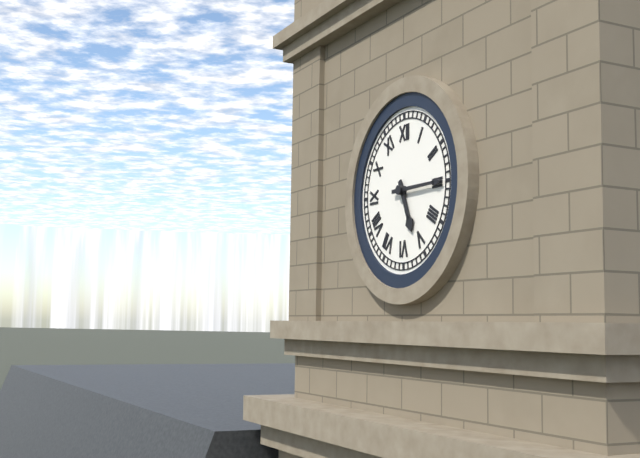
5:15
